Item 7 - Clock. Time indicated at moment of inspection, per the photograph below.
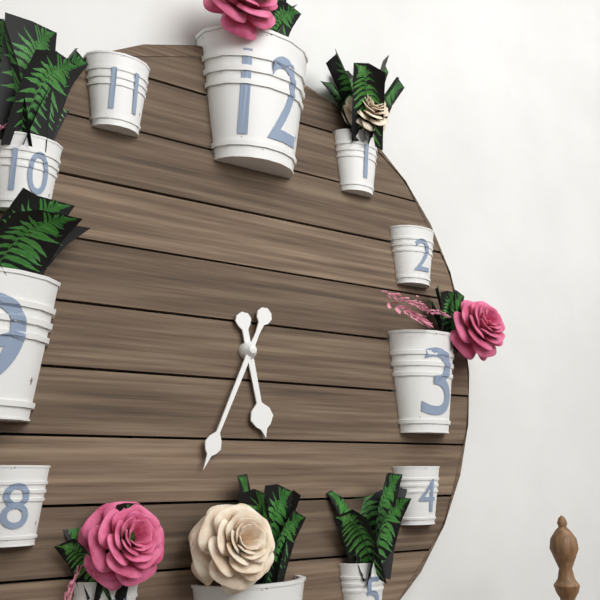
5:34
